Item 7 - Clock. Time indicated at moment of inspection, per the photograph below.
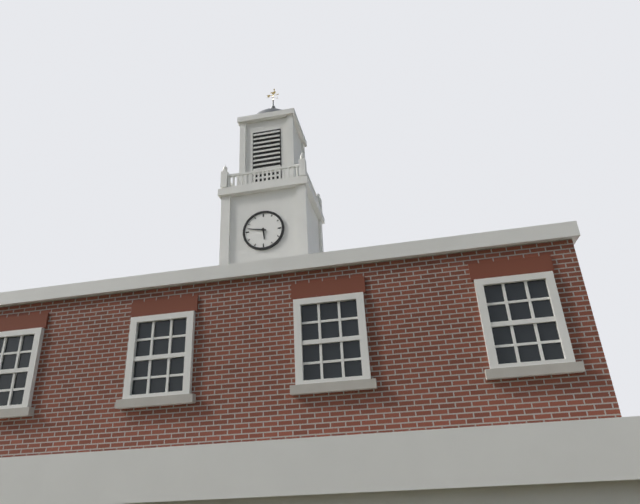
5:47
